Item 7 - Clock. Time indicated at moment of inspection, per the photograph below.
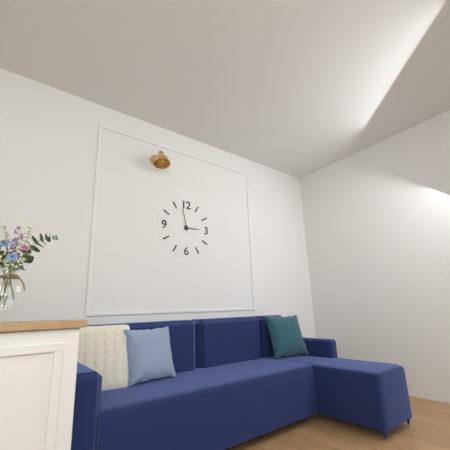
2:58
